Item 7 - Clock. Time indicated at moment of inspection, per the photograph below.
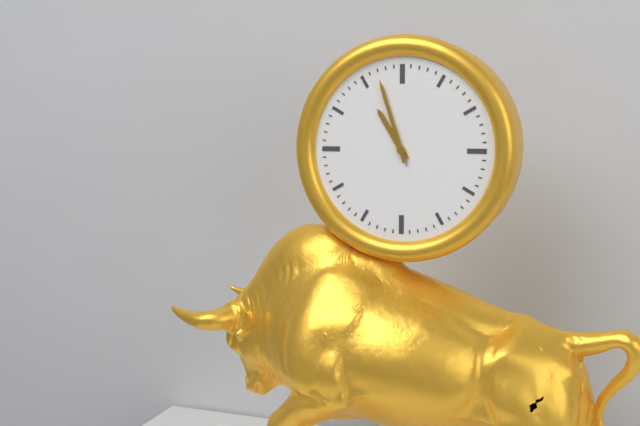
10:57
